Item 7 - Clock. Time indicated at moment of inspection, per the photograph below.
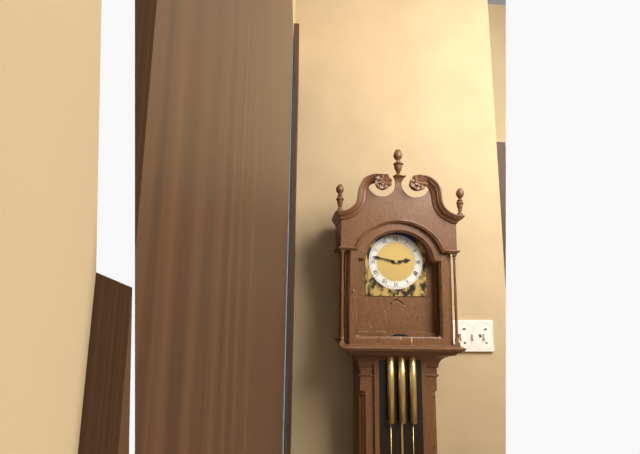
2:47
